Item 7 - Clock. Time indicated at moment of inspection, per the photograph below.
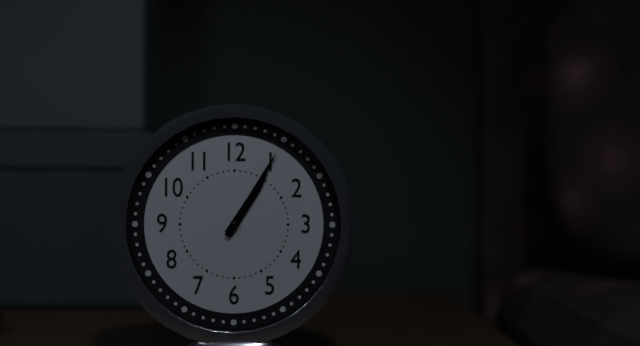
1:05
